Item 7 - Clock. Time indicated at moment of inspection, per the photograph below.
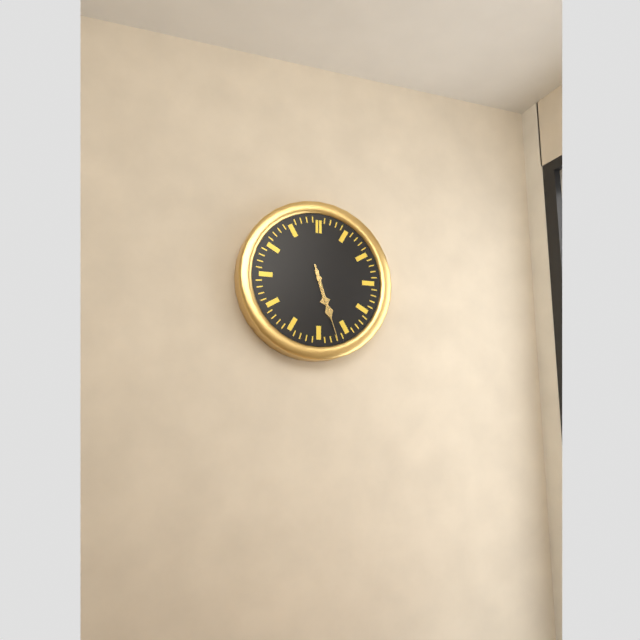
5:27:27
